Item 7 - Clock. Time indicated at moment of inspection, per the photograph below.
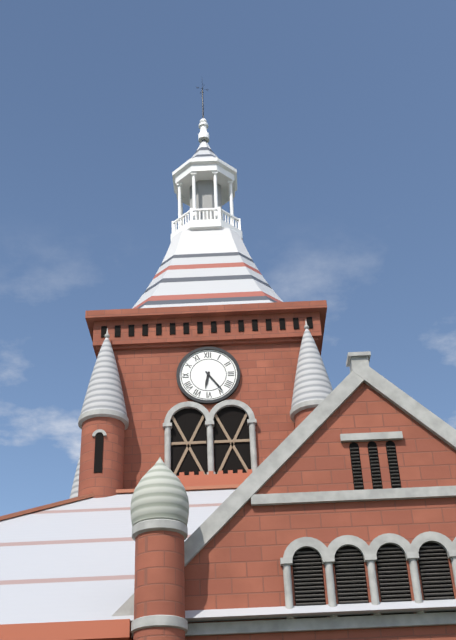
6:24
